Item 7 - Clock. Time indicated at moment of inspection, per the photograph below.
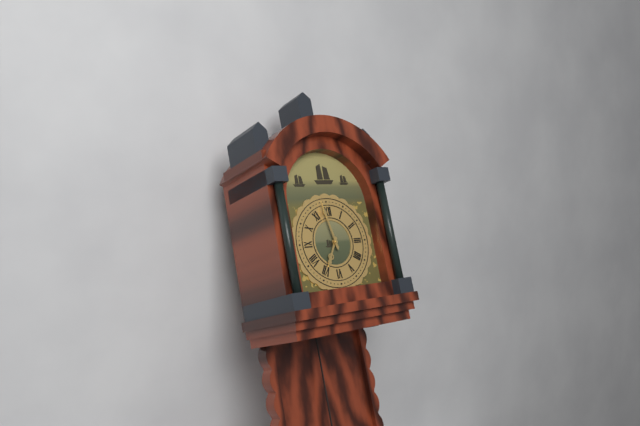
6:58
